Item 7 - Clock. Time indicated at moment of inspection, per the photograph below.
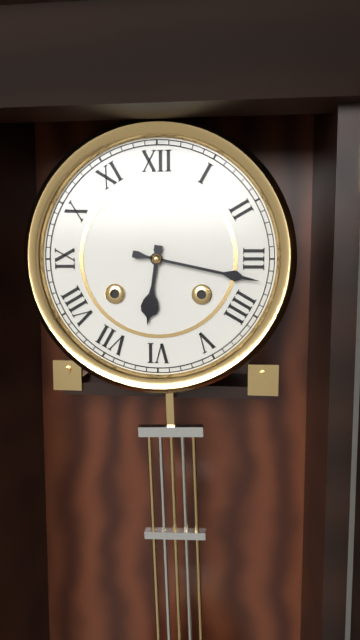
6:17
